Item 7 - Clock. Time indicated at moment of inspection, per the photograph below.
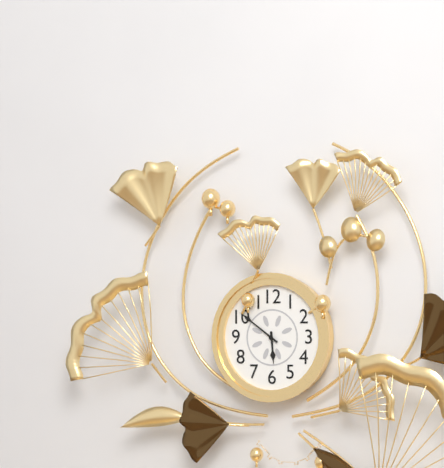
5:51
